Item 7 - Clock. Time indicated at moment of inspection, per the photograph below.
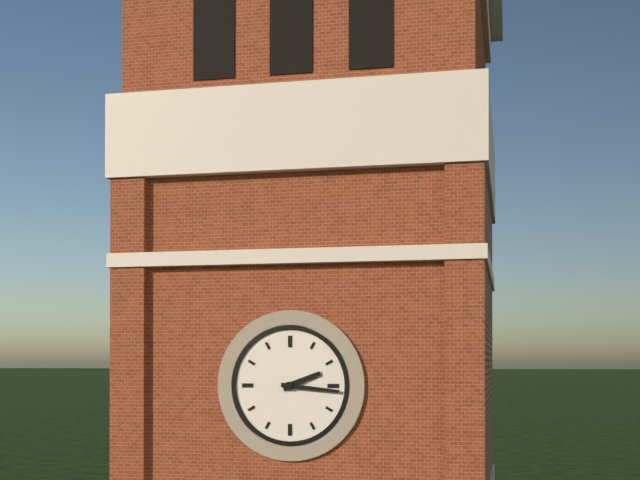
2:16
